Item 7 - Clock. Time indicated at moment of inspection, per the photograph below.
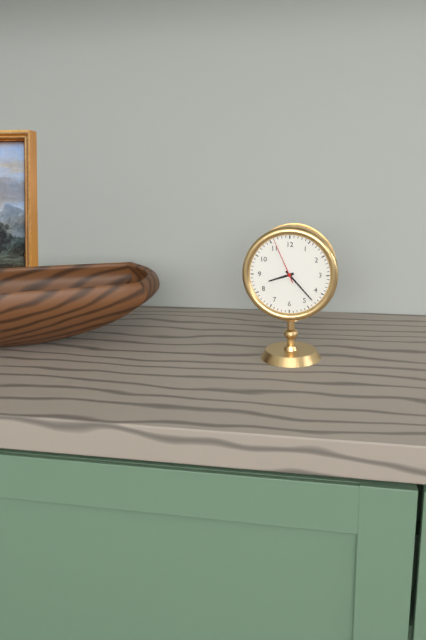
8:23
